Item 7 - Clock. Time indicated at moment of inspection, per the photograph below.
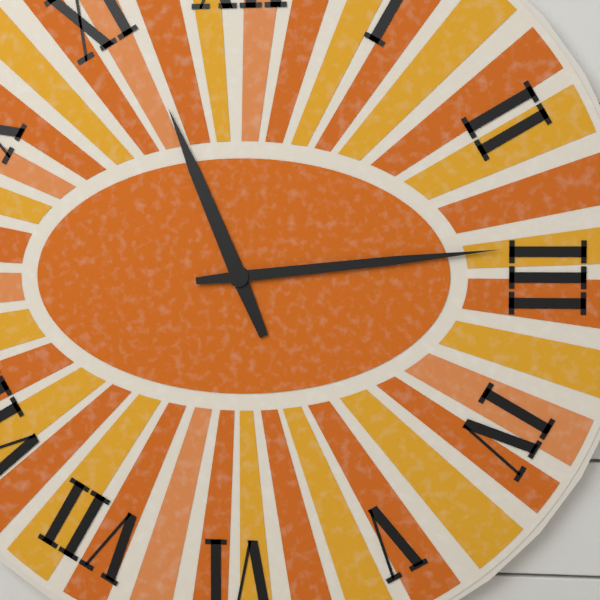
11:14
